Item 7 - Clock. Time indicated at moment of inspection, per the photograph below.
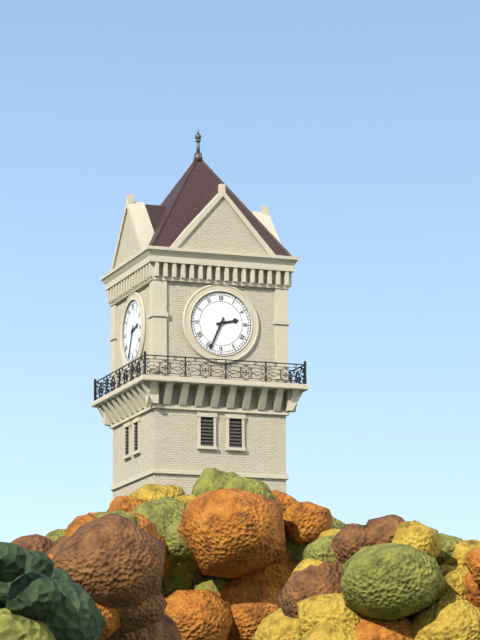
2:34
